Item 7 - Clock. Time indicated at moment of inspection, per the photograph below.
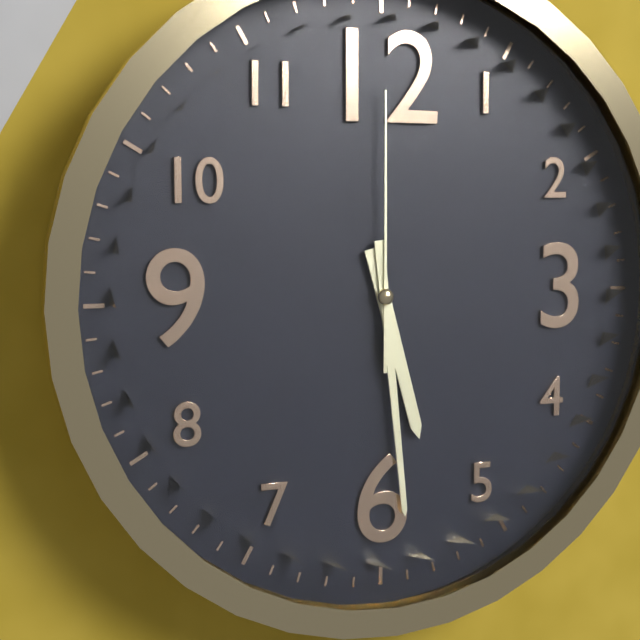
5:29:00
